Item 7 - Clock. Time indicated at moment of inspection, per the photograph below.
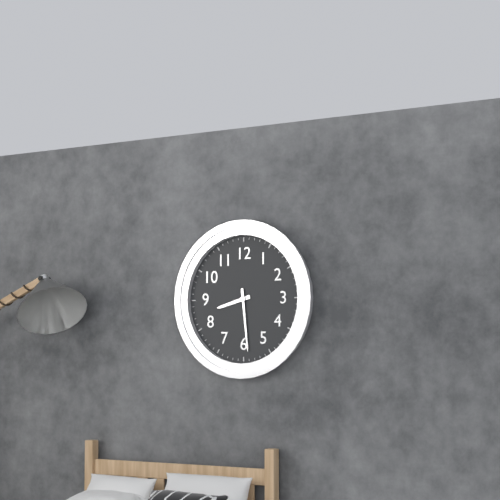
8:29
